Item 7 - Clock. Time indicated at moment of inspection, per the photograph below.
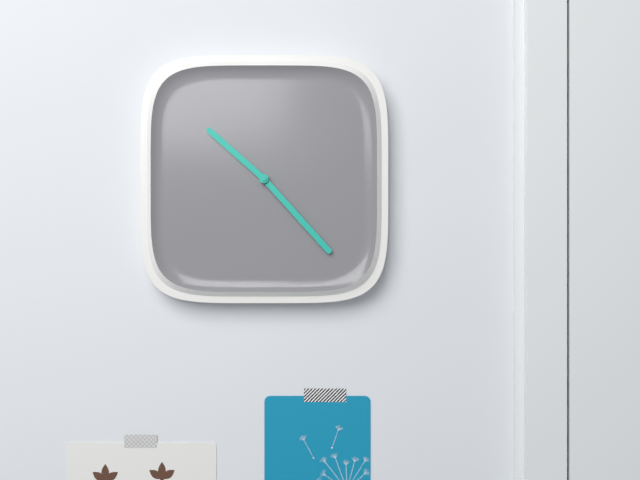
10:23
